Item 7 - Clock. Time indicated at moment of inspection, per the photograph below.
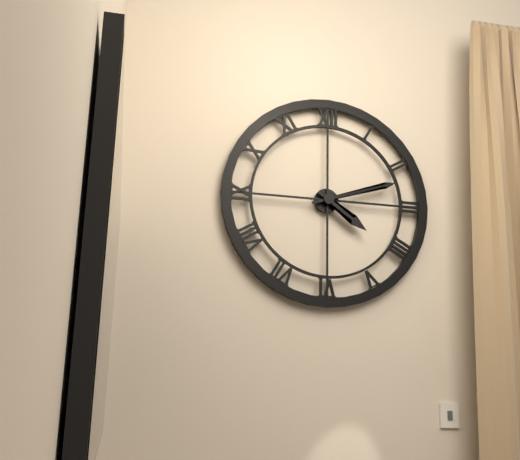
4:12
